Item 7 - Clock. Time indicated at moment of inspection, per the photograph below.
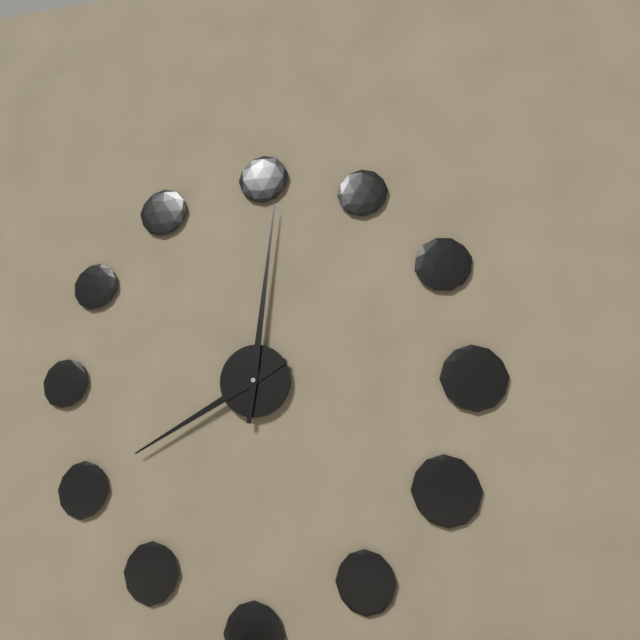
8:01
